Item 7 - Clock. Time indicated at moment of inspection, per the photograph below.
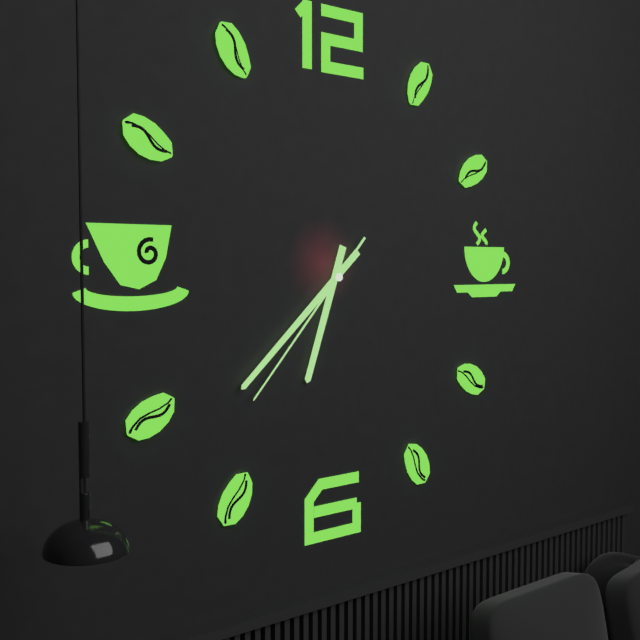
6:38:37
